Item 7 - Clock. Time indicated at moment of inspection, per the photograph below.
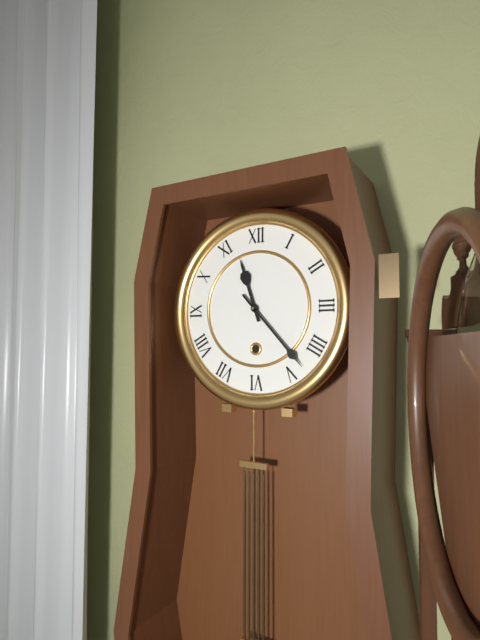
11:23
